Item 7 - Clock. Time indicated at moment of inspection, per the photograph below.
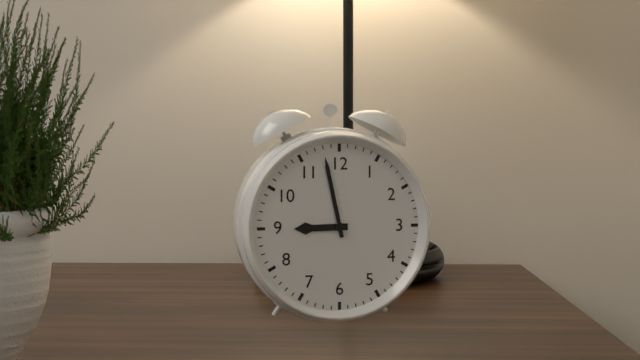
8:58
